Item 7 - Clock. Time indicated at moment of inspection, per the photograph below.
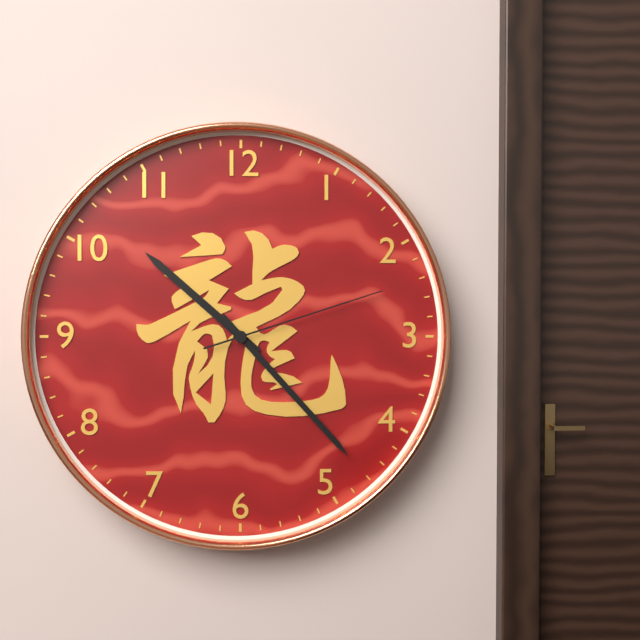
10:23:12
